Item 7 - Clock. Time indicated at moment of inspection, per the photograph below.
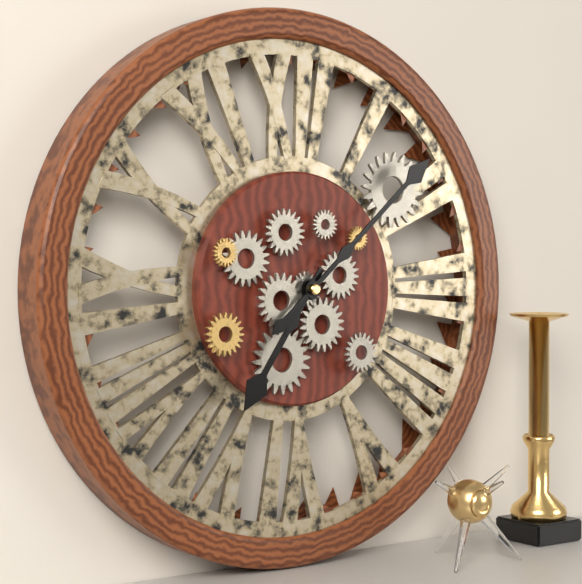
7:08
